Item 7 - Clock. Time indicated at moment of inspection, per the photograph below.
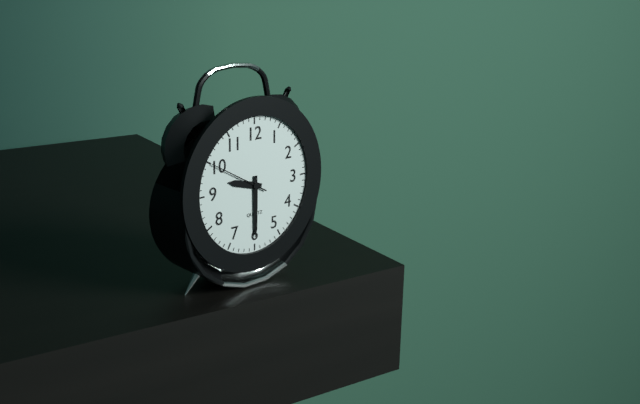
9:30:50
